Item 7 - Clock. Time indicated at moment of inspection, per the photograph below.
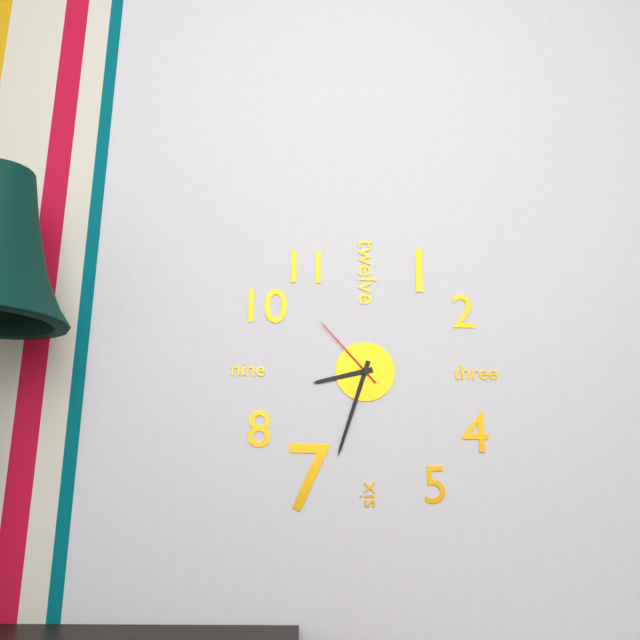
8:33:53
